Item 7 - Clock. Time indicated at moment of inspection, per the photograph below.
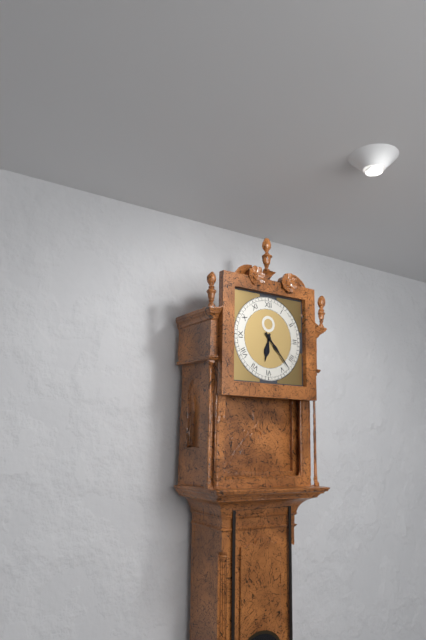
6:23
